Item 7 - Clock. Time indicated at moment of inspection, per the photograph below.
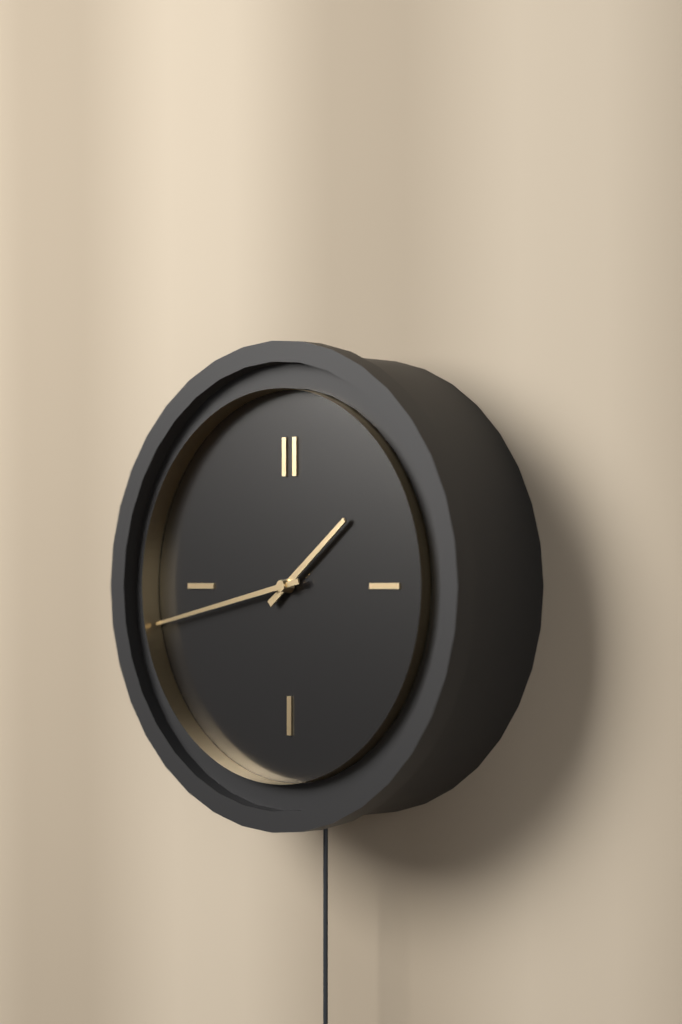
1:43
